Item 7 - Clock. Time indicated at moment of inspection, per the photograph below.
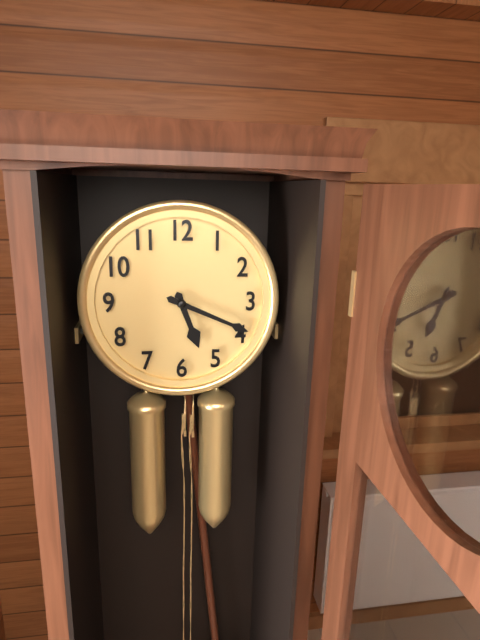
5:19
